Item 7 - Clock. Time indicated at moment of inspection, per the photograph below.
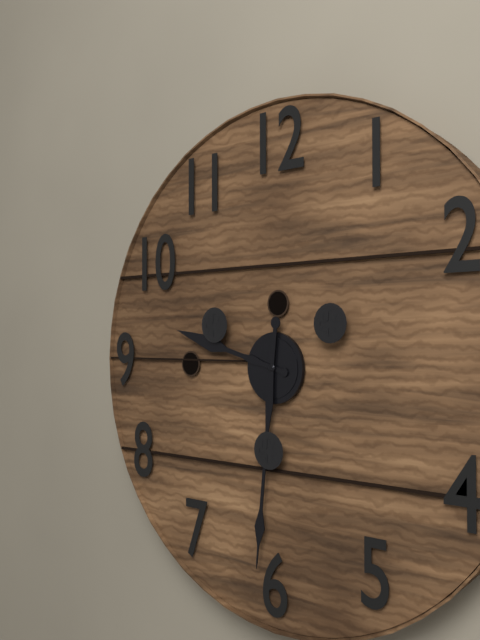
9:31
